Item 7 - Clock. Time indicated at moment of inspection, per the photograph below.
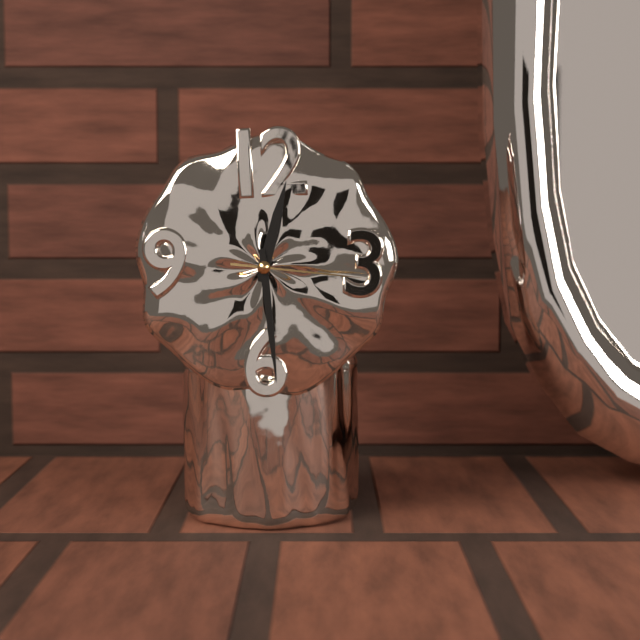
12:29:16
